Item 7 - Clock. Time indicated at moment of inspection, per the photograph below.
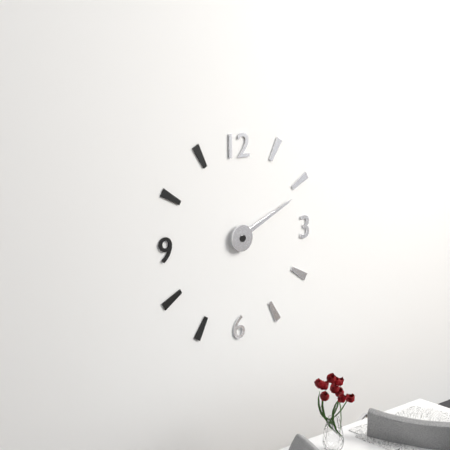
2:11
